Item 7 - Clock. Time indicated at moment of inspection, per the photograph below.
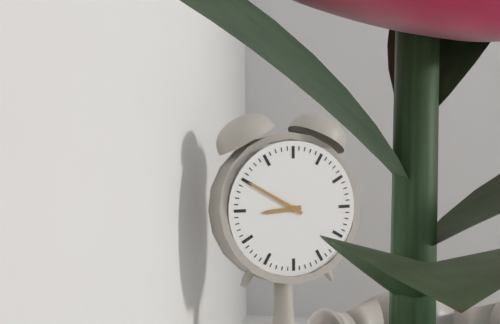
8:50
